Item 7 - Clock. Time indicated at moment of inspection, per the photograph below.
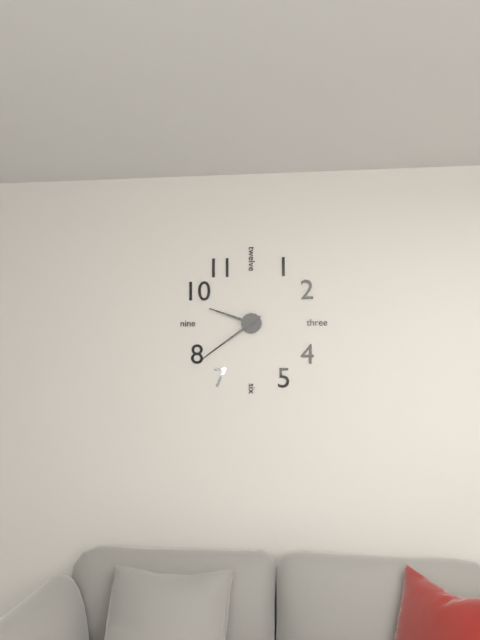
9:39
